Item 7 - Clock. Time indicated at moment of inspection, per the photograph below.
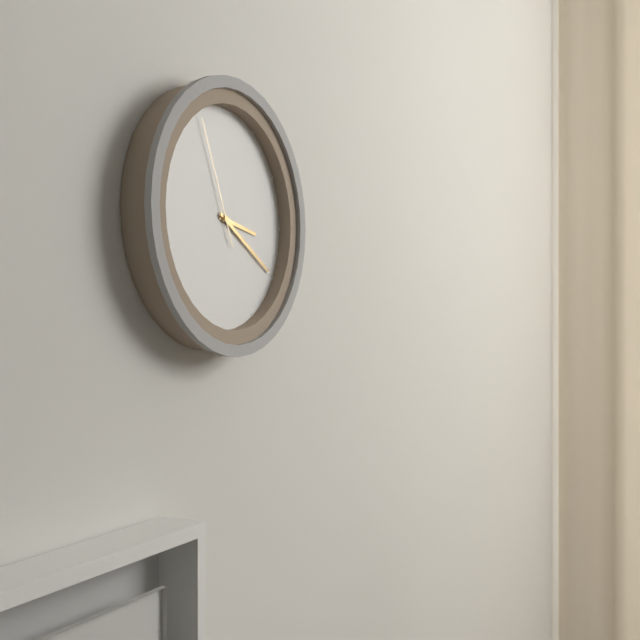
3:20:56
